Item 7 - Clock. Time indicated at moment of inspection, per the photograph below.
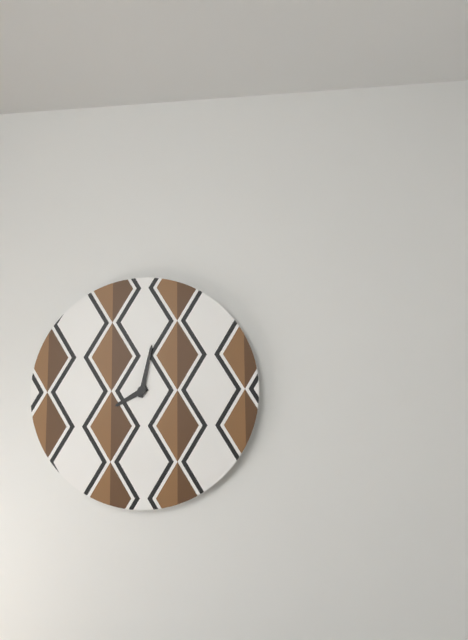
8:02
